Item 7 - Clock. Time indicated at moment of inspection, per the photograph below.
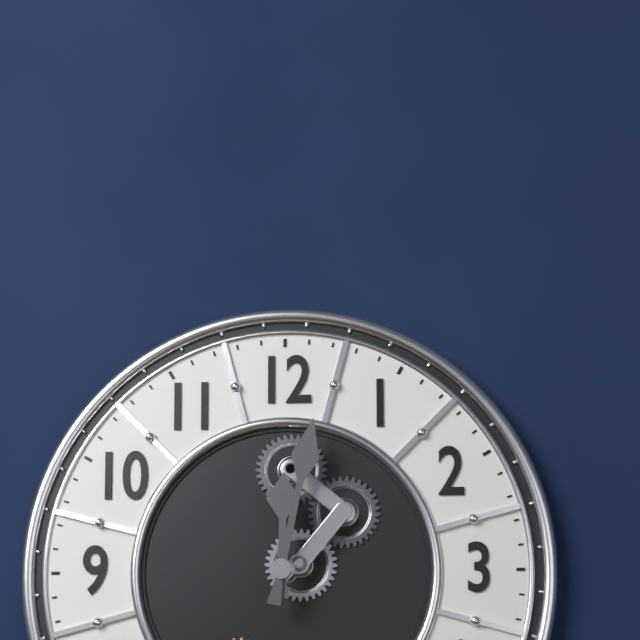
12:02
